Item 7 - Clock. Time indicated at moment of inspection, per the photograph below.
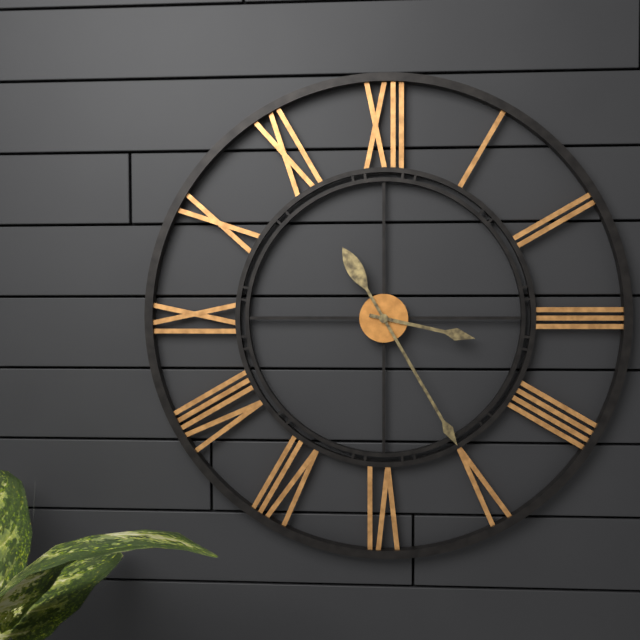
3:25
